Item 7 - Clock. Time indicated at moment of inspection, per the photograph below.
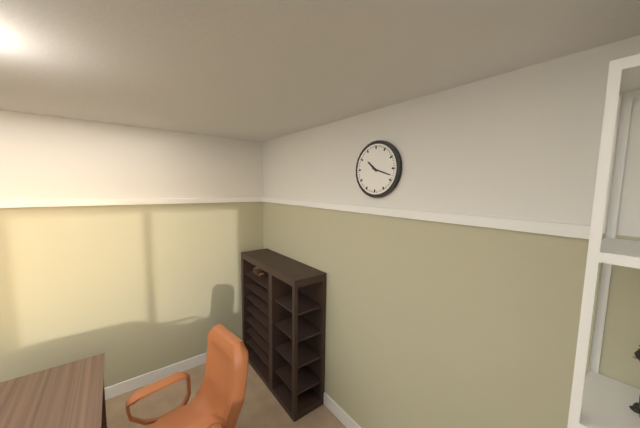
10:18
